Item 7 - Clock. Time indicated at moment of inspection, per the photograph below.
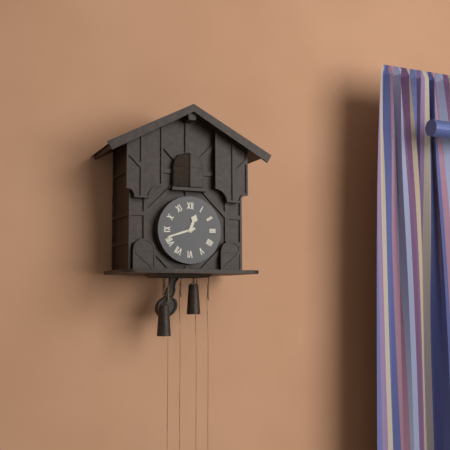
12:42
